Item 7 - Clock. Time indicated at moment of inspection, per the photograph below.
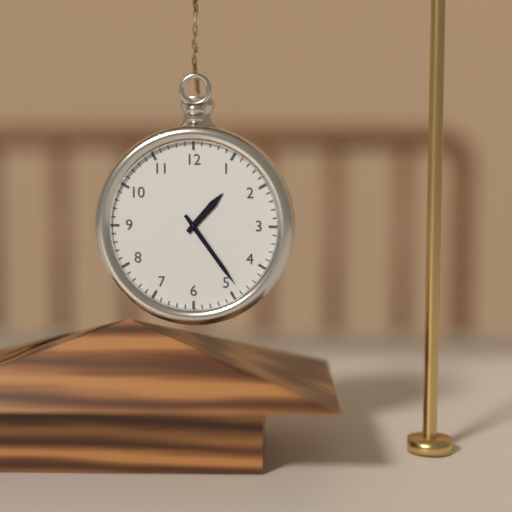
1:24
